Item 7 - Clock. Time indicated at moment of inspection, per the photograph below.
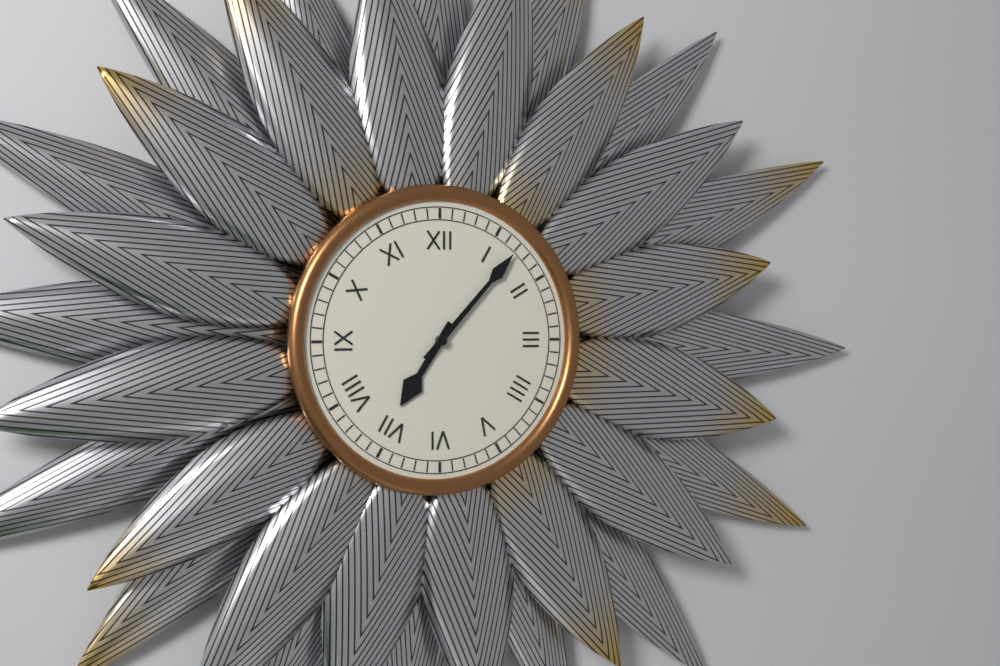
7:07
